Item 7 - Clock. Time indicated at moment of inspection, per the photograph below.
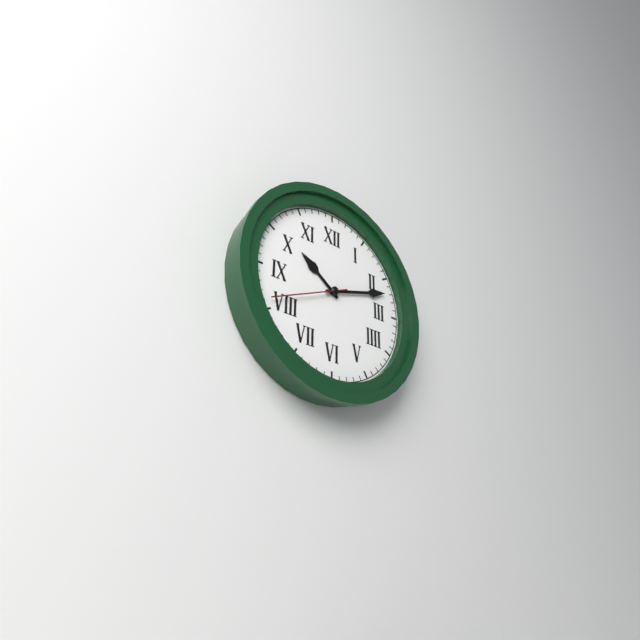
10:12:41
